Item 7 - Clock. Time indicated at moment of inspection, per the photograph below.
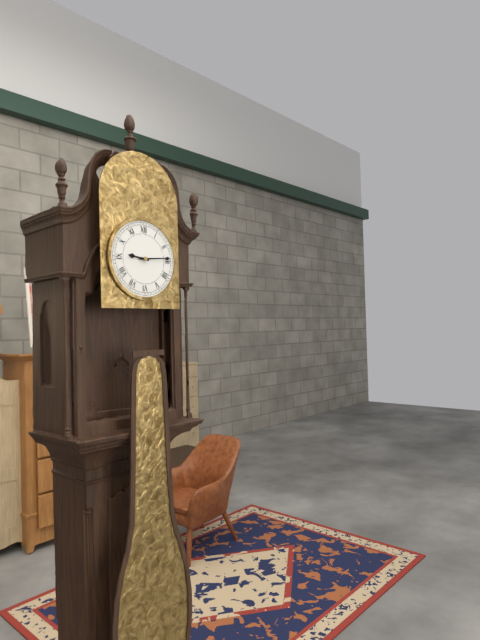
9:14
